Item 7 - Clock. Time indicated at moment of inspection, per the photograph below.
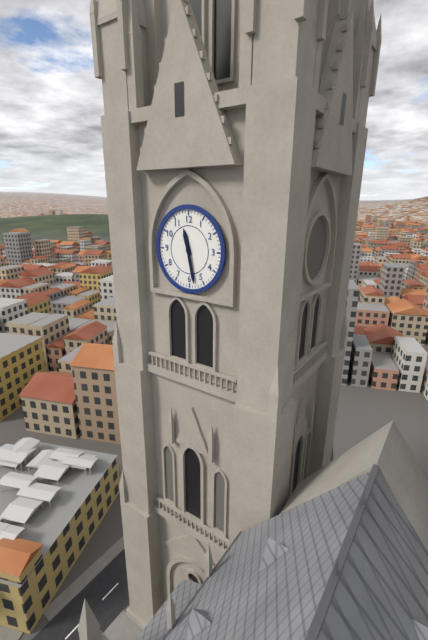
11:28
